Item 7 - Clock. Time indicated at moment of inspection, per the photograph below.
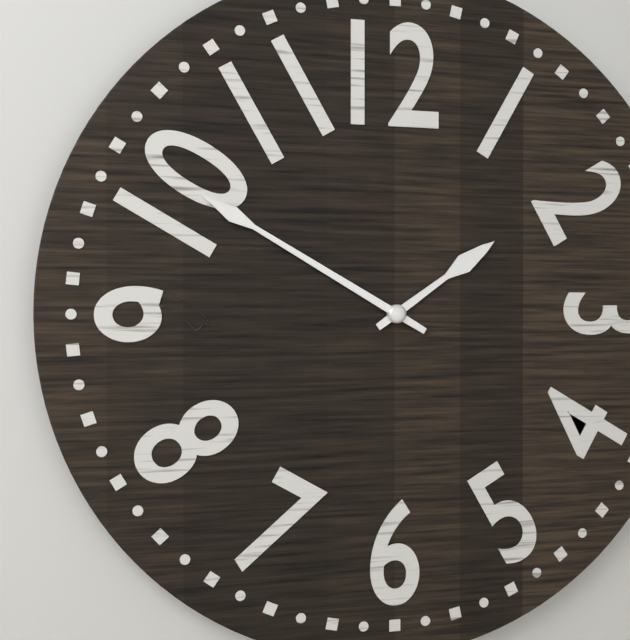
1:50
